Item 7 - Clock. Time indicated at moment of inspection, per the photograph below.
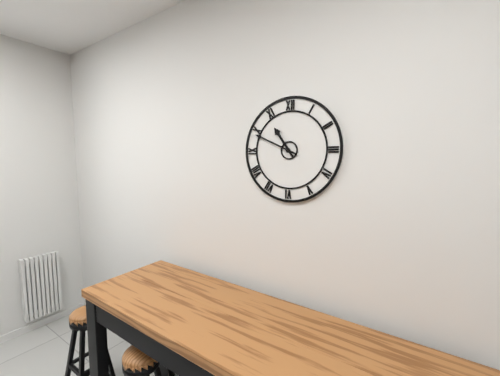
10:49
